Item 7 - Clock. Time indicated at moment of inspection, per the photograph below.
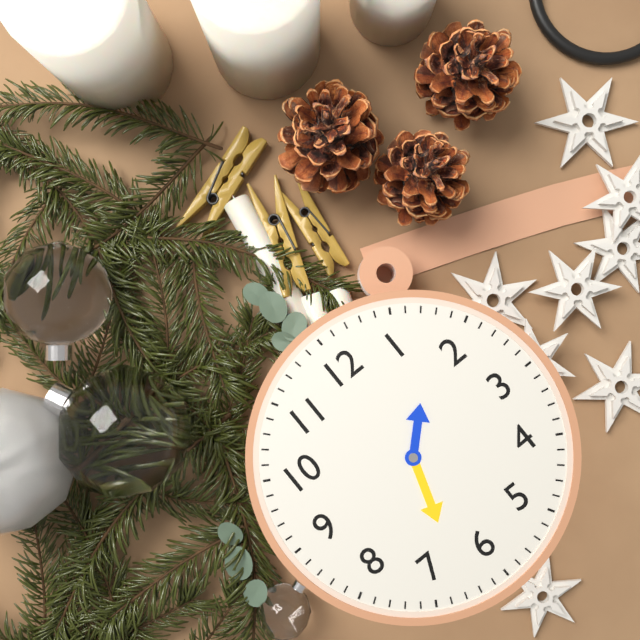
1:33
